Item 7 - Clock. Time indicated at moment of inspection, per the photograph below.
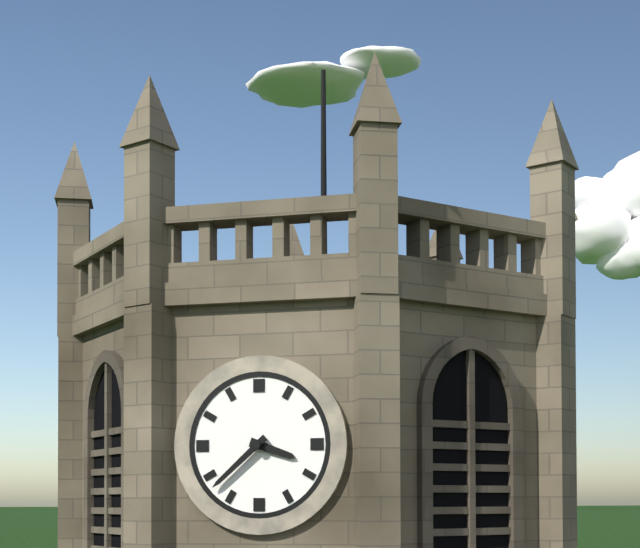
3:38
